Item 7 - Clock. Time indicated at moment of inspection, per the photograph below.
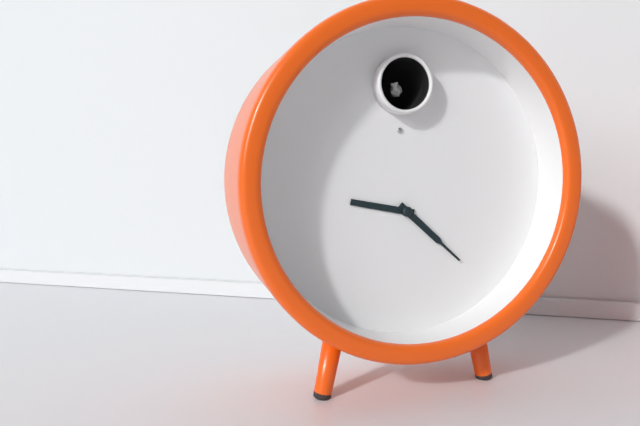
9:22
